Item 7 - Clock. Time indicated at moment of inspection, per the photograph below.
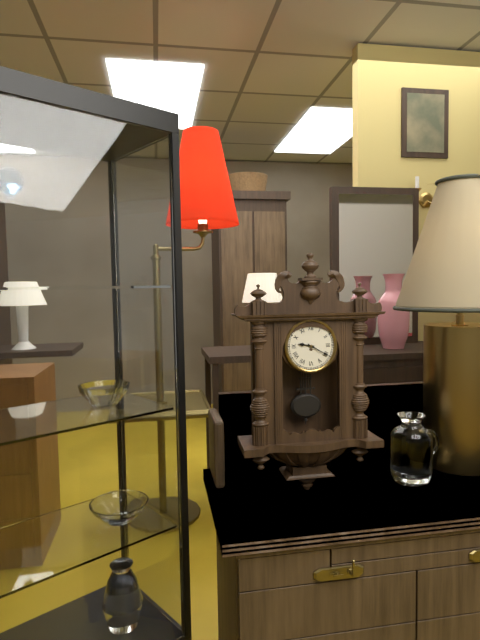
9:20
